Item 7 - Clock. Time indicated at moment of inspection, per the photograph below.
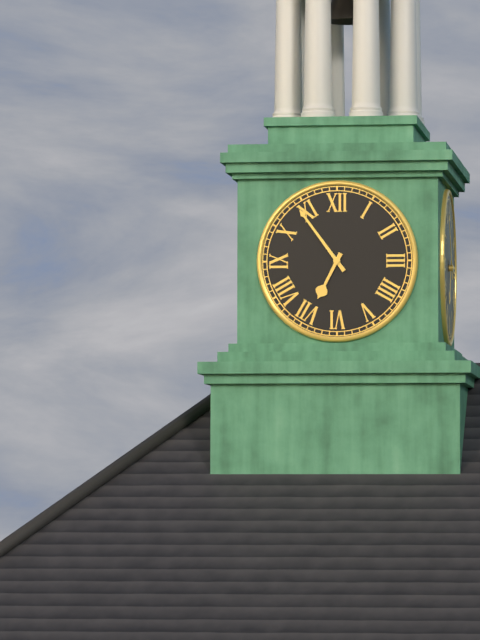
6:54
